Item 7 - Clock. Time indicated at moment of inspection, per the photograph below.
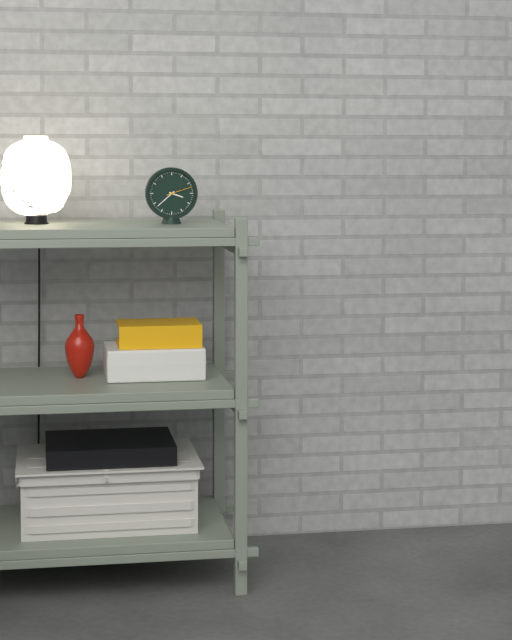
3:38
